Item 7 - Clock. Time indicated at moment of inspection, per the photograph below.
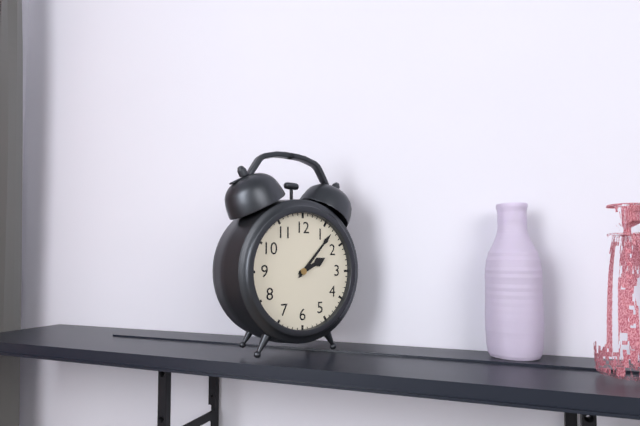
2:07
